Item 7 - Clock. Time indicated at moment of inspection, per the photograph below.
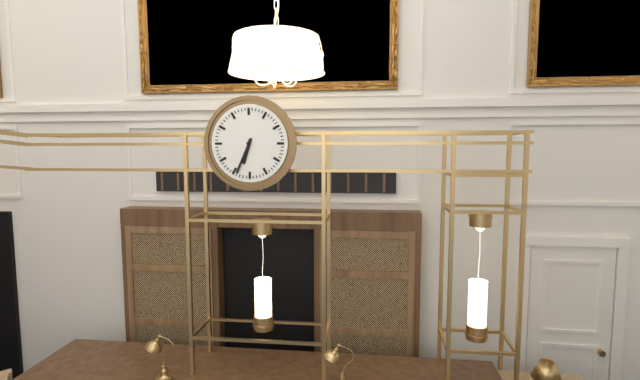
6:34
